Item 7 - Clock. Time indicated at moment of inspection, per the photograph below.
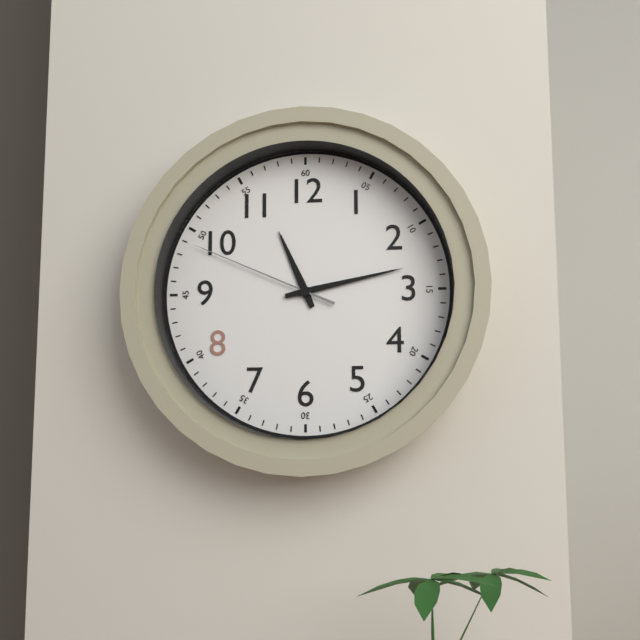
11:13:49
